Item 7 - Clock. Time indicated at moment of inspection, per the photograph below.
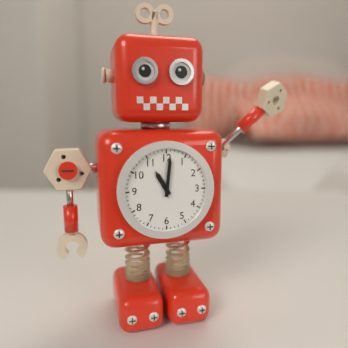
11:01
